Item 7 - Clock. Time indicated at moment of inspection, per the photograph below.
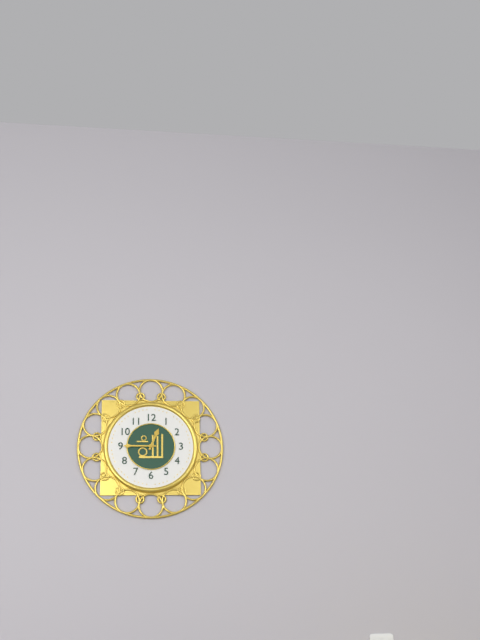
12:45
